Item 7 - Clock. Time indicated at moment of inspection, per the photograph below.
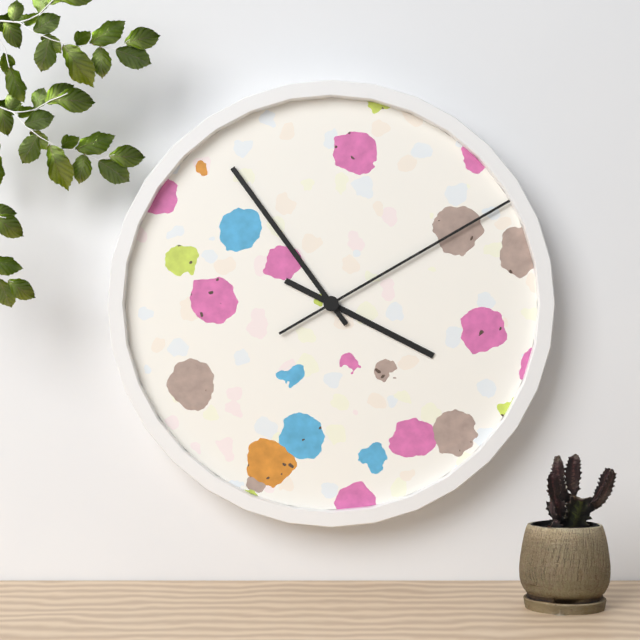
3:54:10
